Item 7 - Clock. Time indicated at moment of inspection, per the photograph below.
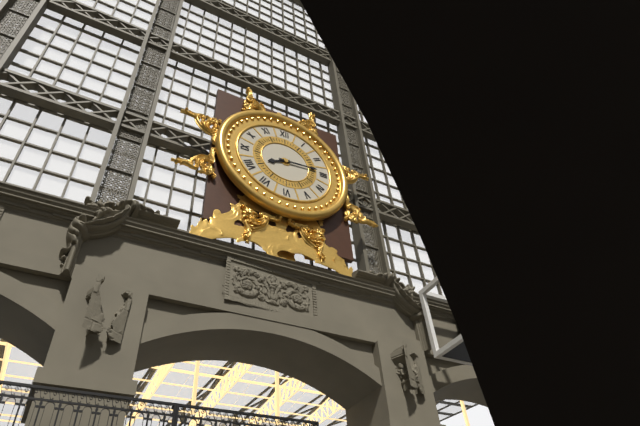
8:14
